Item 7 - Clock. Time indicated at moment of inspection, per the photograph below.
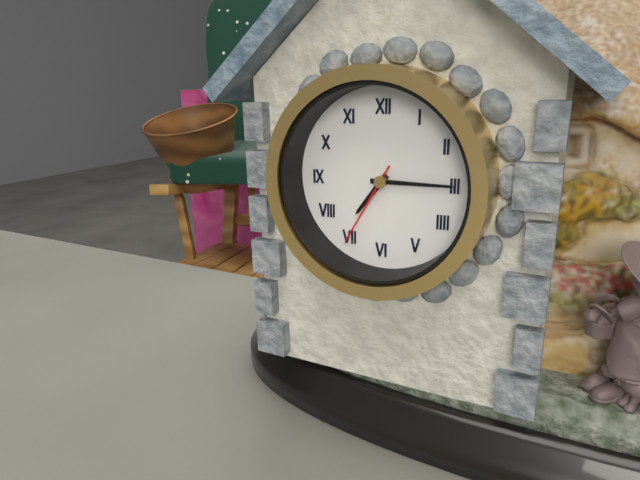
7:15:35
